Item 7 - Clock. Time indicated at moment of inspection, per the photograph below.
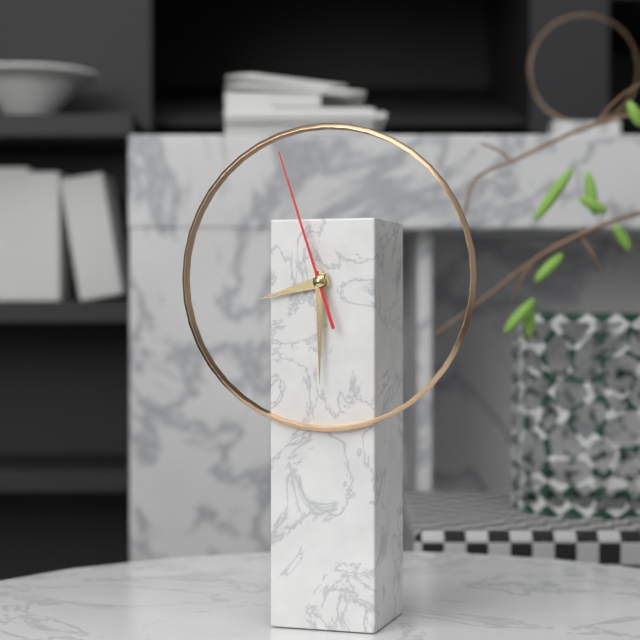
8:30:57
